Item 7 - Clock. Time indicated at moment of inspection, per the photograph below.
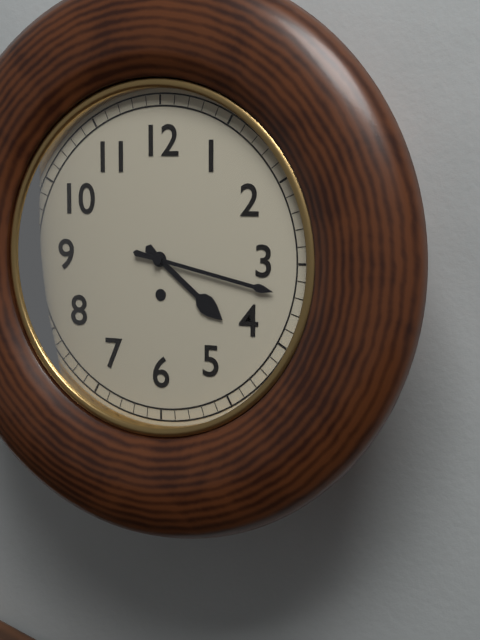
4:17
